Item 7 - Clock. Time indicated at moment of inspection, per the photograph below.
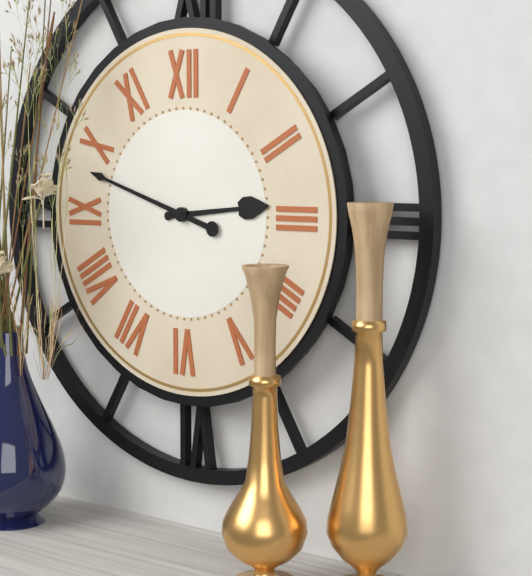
2:48
